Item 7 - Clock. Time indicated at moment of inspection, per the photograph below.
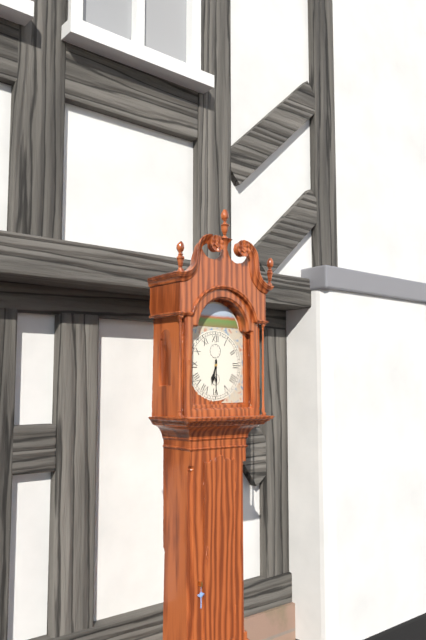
6:30
